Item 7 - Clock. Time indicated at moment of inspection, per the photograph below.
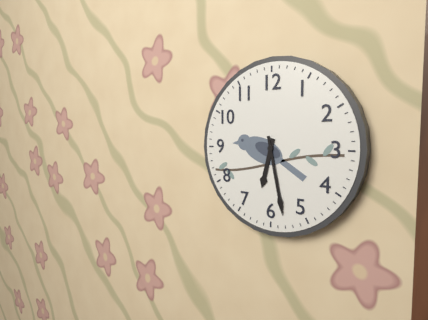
6:28
